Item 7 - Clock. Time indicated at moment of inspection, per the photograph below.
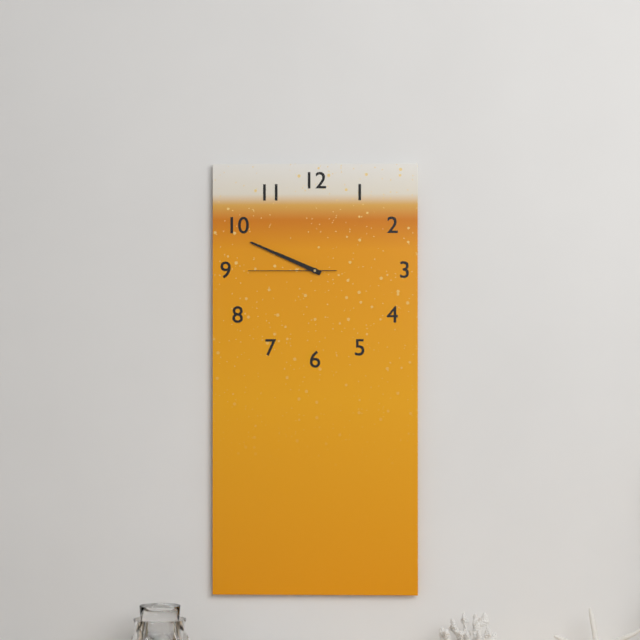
9:49:45
